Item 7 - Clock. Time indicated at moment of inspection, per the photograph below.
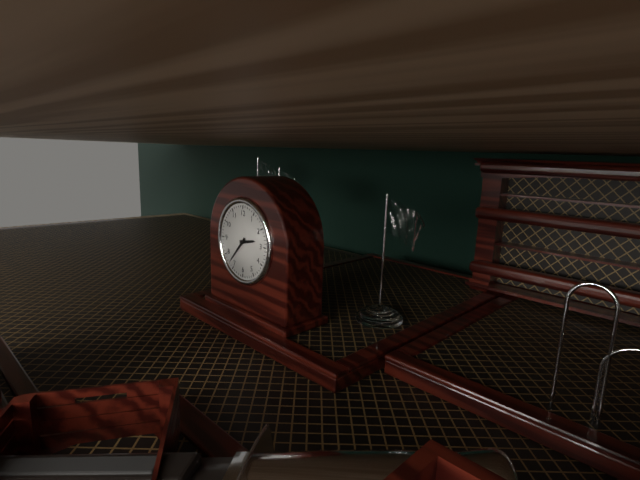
2:37
